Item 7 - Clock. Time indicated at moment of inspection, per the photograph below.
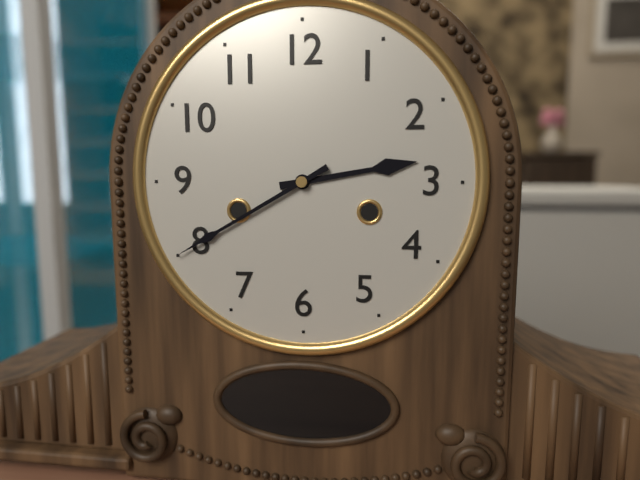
2:40
